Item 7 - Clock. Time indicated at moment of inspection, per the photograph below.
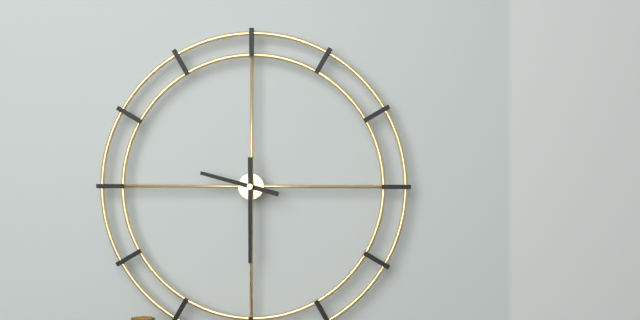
9:30
